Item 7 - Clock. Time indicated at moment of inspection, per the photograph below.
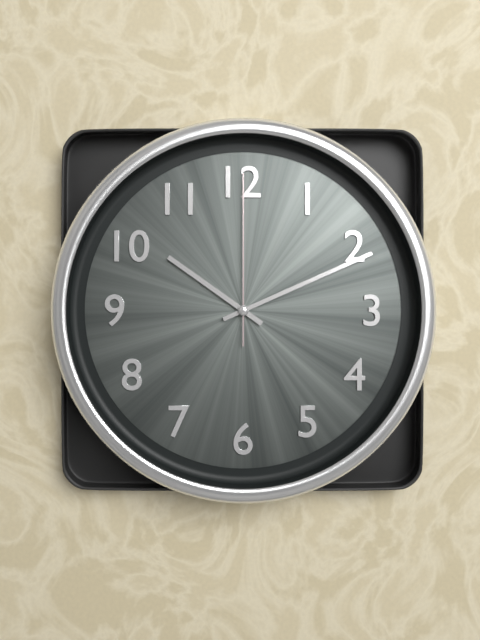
10:11:00
